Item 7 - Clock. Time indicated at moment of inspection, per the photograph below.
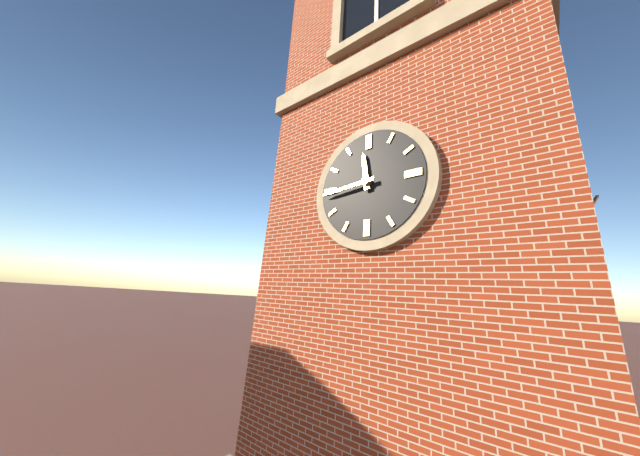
11:44
